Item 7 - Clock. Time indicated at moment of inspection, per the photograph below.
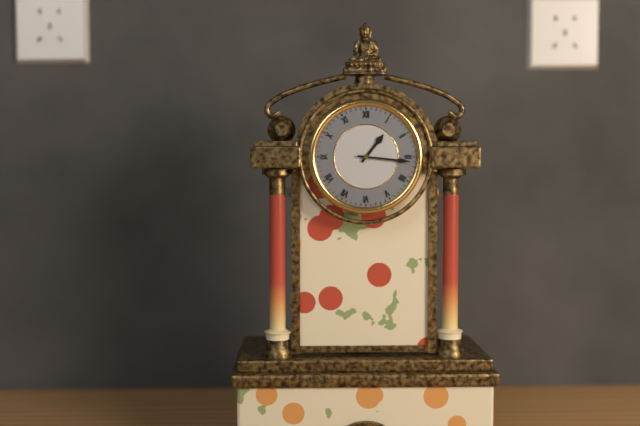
1:16
